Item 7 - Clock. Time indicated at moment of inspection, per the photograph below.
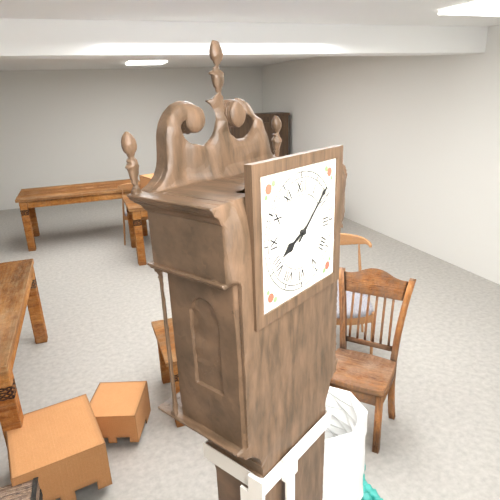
8:08
